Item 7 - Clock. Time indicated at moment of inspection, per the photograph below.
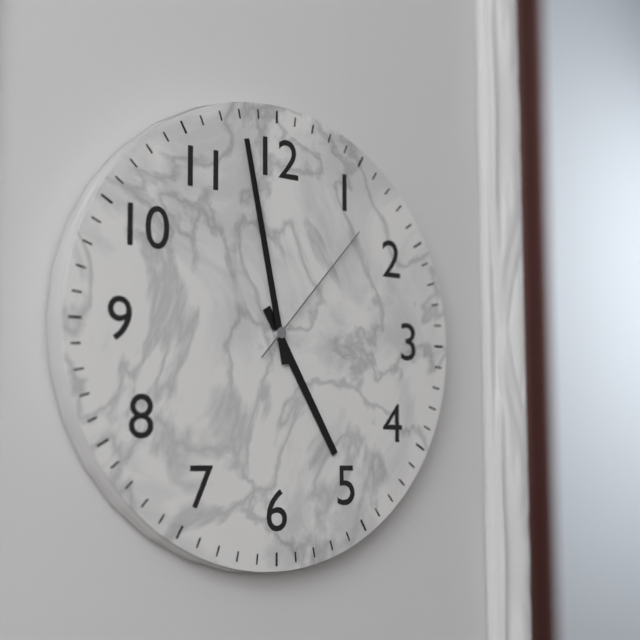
4:58:07
